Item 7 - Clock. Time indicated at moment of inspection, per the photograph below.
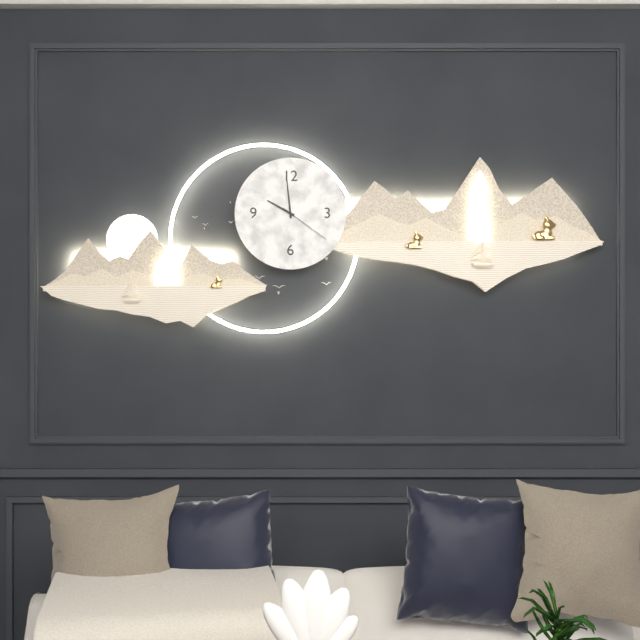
9:59:21
